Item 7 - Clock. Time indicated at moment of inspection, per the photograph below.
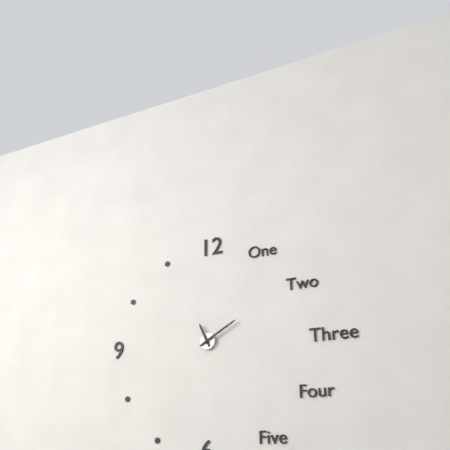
11:10
